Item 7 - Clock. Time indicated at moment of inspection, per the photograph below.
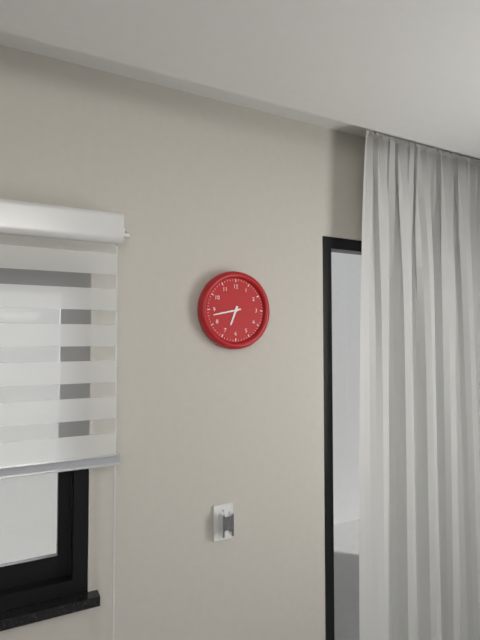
6:43
